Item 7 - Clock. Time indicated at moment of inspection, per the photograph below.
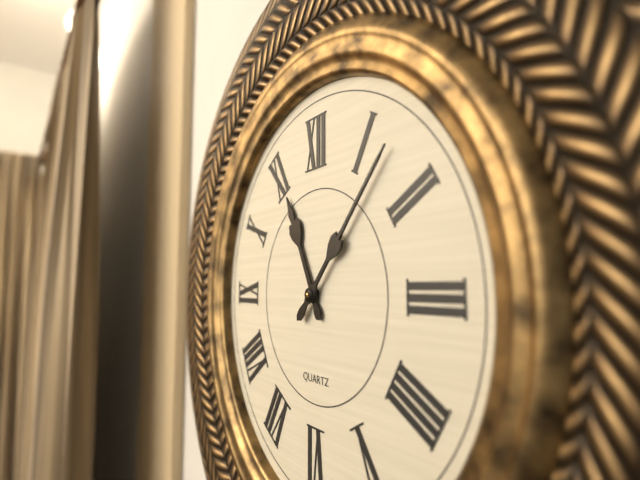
11:07
